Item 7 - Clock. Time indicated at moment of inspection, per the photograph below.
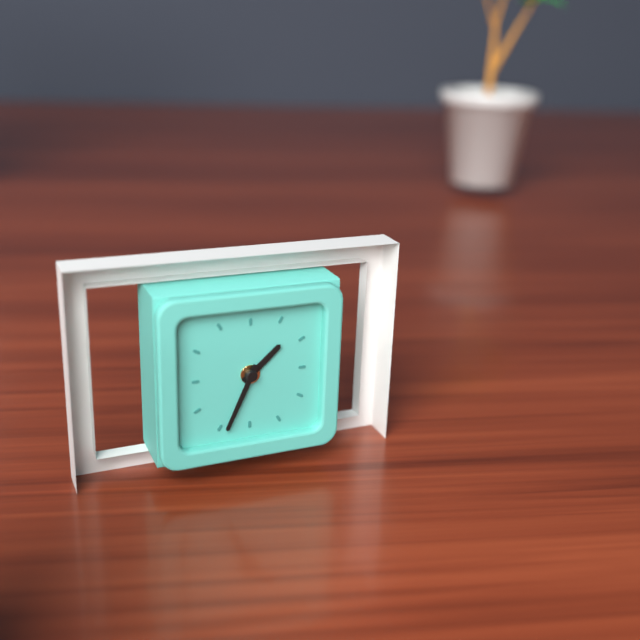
1:34
